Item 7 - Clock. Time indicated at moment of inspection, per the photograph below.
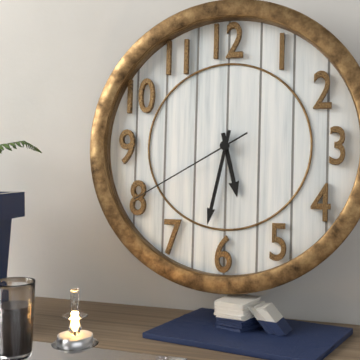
5:32:40
